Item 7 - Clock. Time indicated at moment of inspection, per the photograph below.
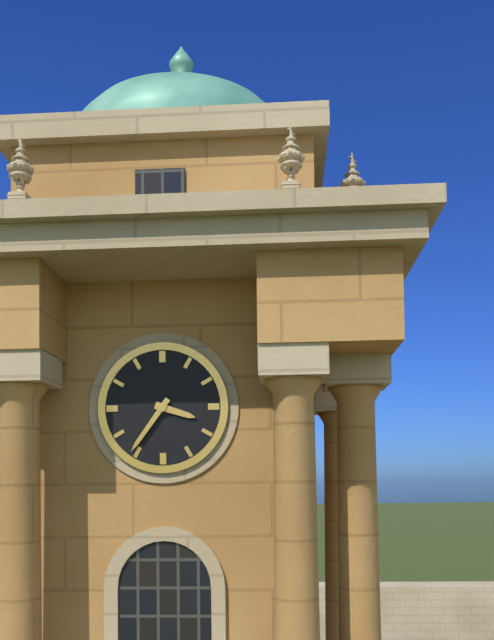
3:36
